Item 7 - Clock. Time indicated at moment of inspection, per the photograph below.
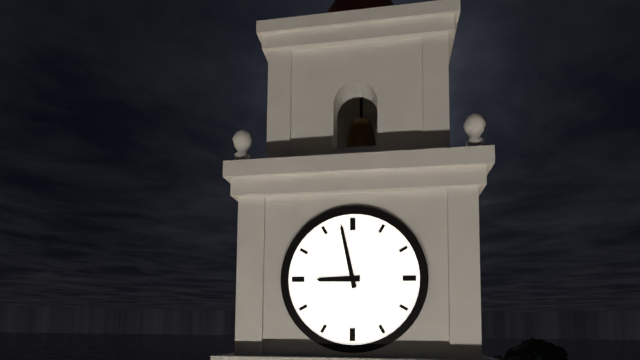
8:58
